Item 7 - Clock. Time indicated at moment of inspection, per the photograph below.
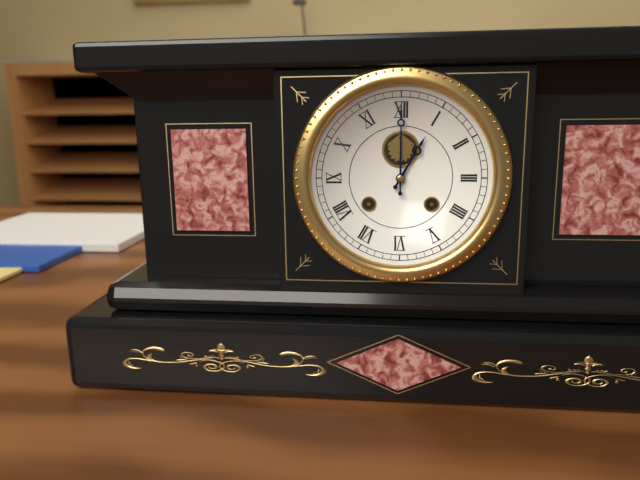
1:00
